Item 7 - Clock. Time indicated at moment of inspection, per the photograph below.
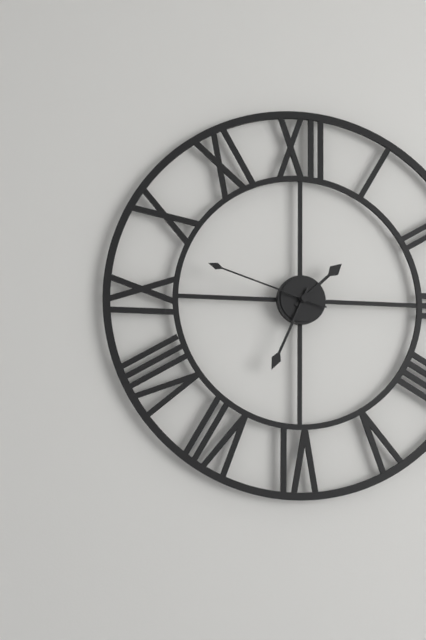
1:34:48
